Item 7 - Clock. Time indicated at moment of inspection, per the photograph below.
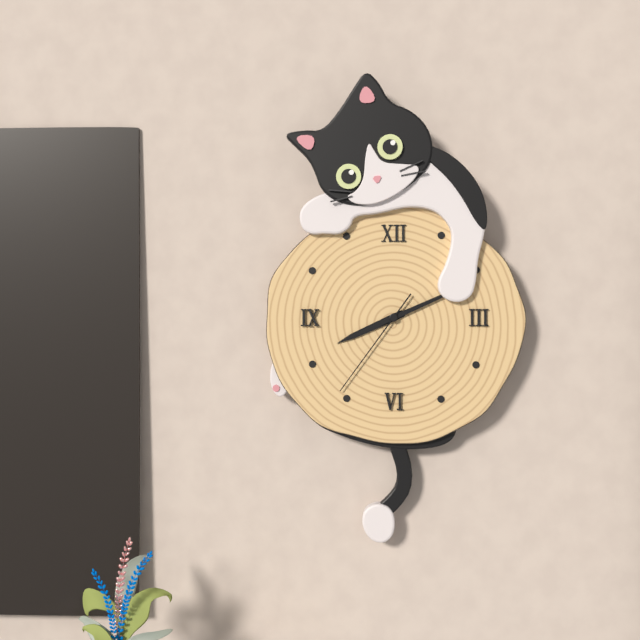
8:11:36
